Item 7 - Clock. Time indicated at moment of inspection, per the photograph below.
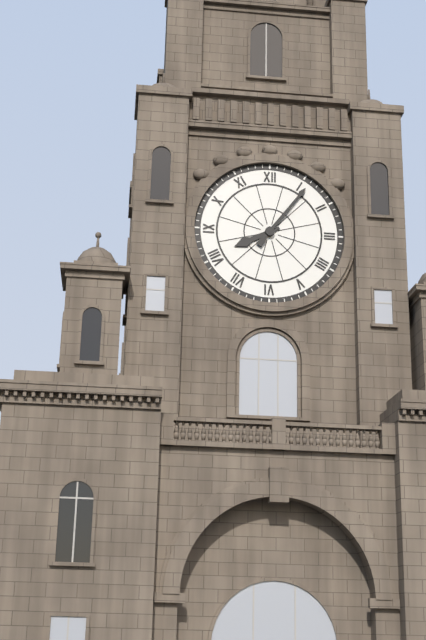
8:06
